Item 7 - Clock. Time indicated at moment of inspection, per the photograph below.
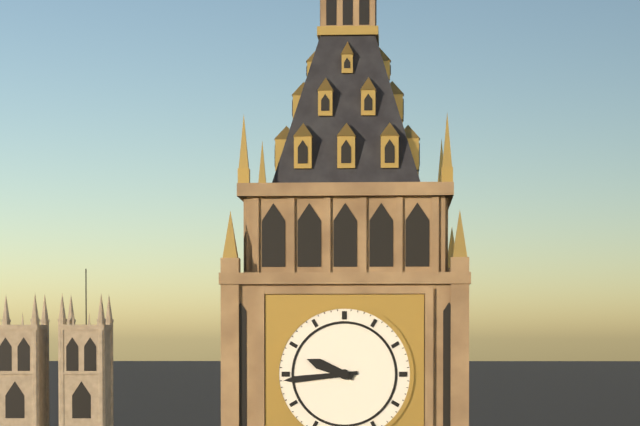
9:44
